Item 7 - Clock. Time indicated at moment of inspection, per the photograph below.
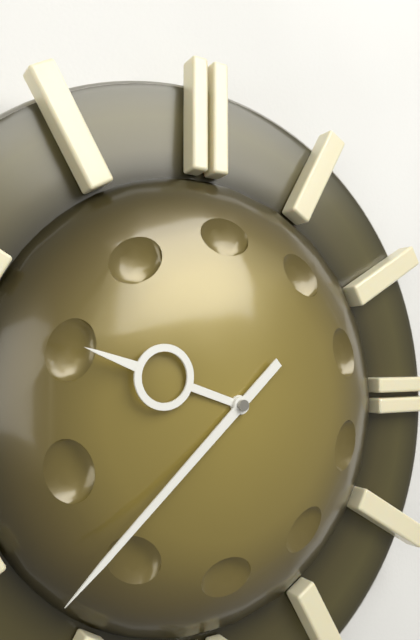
9:38
